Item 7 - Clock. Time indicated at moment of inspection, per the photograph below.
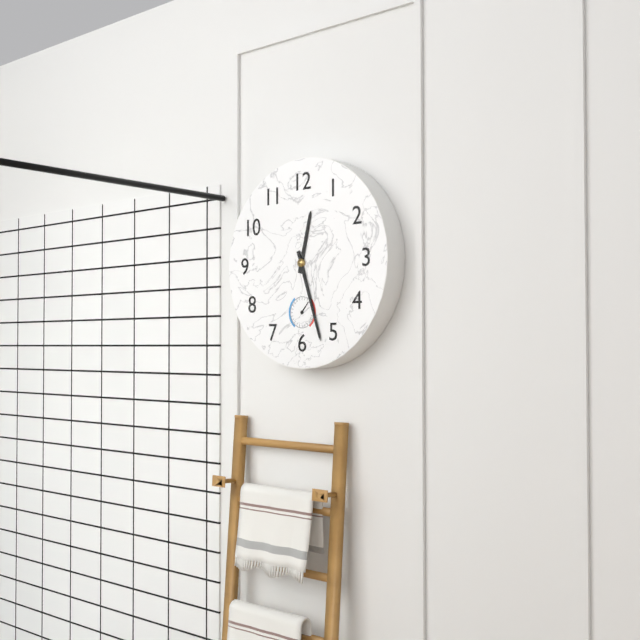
12:27
